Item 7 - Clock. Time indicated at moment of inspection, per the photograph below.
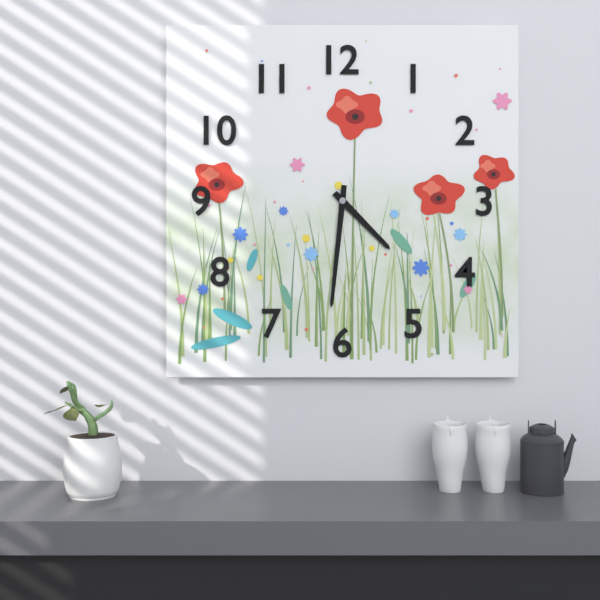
4:31
